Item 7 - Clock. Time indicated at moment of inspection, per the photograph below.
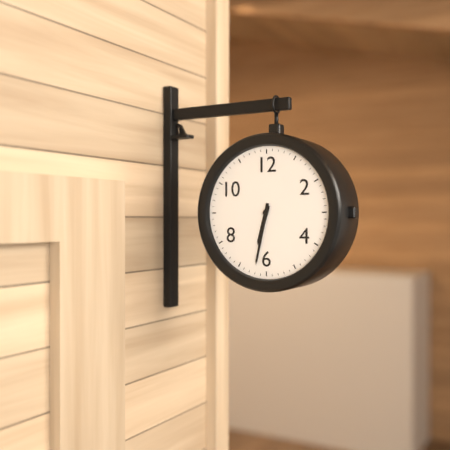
6:32
